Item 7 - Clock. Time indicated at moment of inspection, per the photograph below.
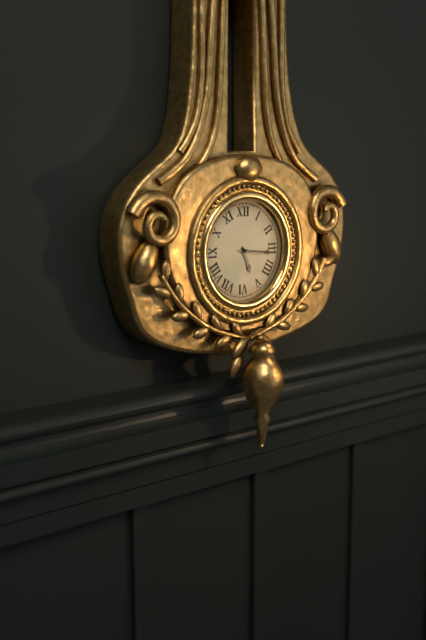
5:16
